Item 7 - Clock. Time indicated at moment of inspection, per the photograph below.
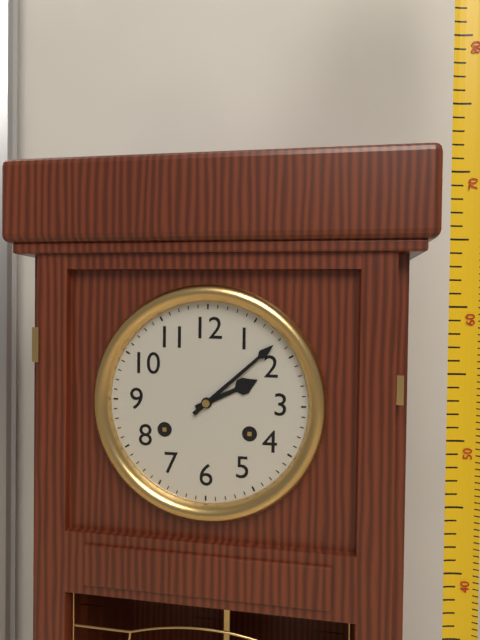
2:08
